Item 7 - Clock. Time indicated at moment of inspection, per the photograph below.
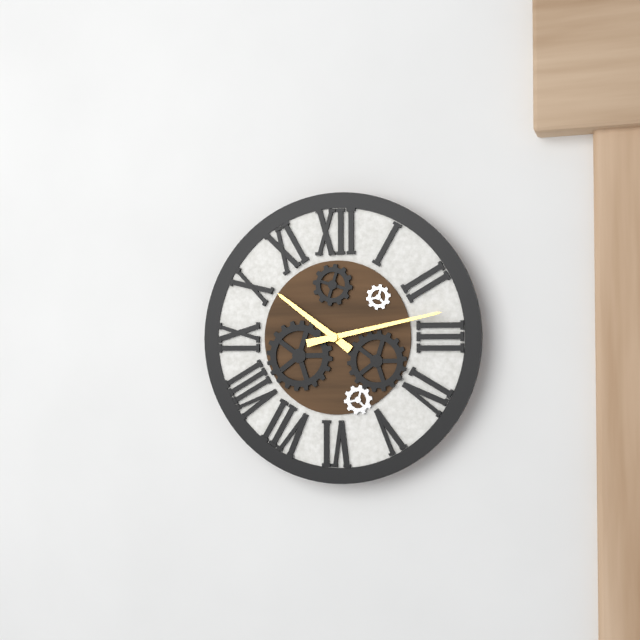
10:13
